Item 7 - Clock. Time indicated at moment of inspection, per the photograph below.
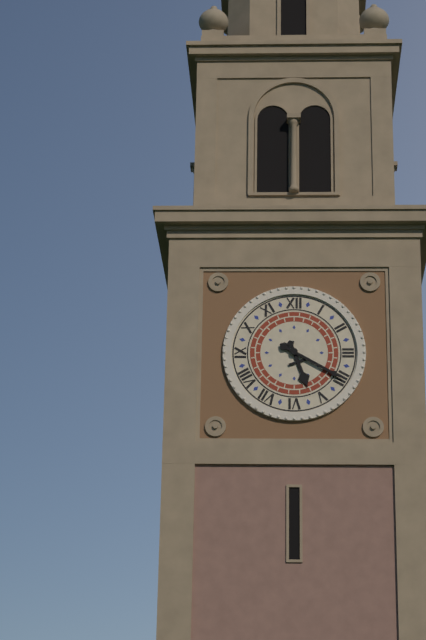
5:20
